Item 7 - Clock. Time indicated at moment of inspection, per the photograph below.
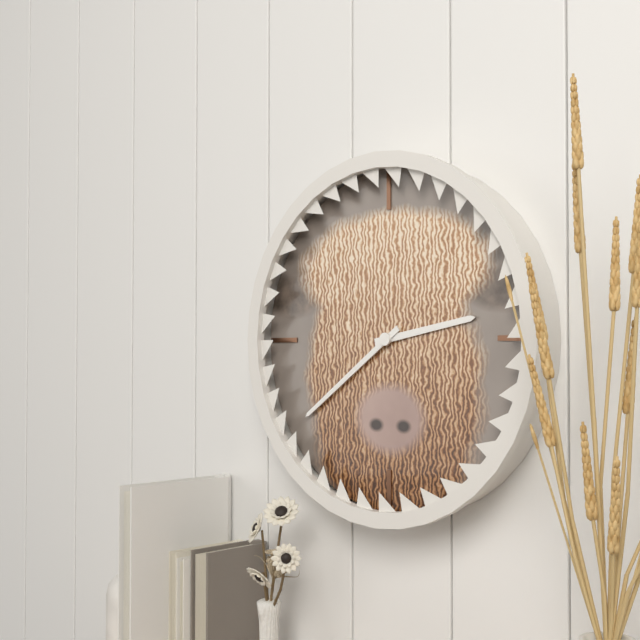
2:39
